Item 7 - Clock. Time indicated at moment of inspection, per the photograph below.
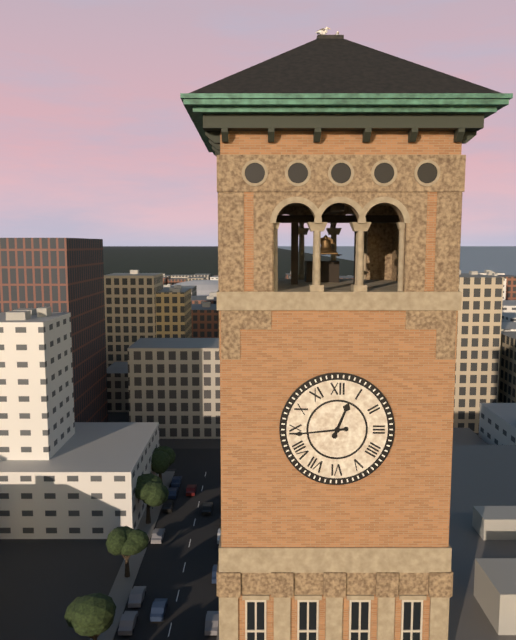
12:44
